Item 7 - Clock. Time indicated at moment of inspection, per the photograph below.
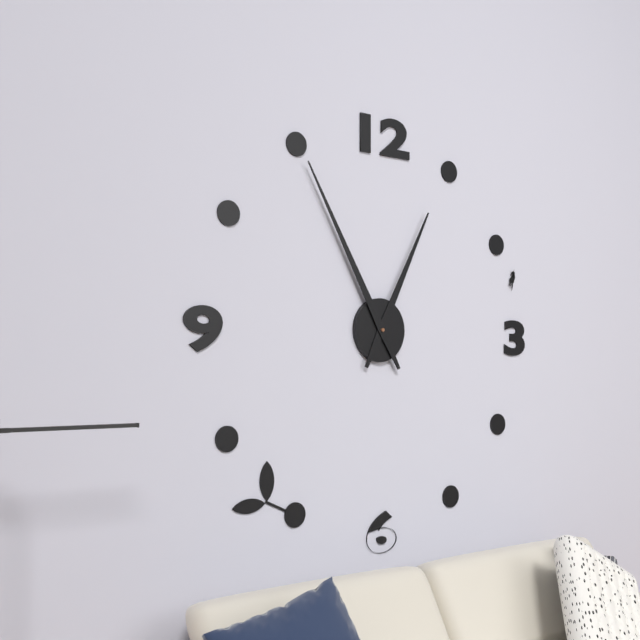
12:55
